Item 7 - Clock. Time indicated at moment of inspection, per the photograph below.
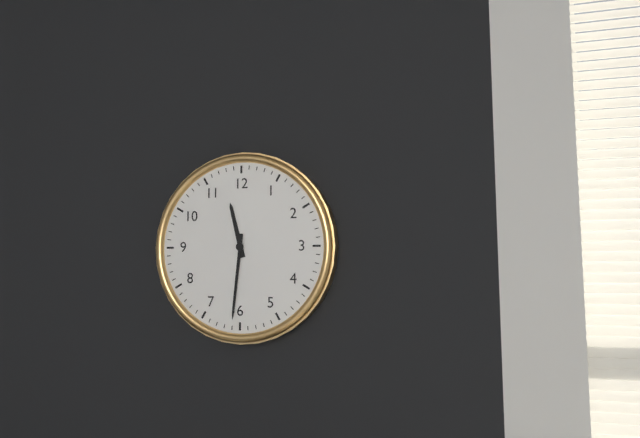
11:31
